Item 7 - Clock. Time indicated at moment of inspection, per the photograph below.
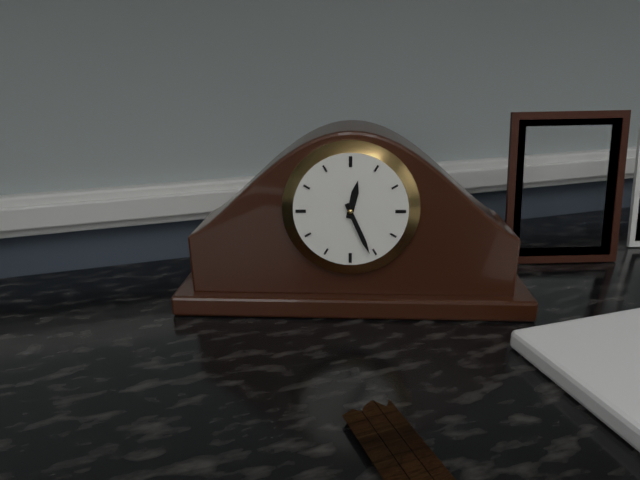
12:26
